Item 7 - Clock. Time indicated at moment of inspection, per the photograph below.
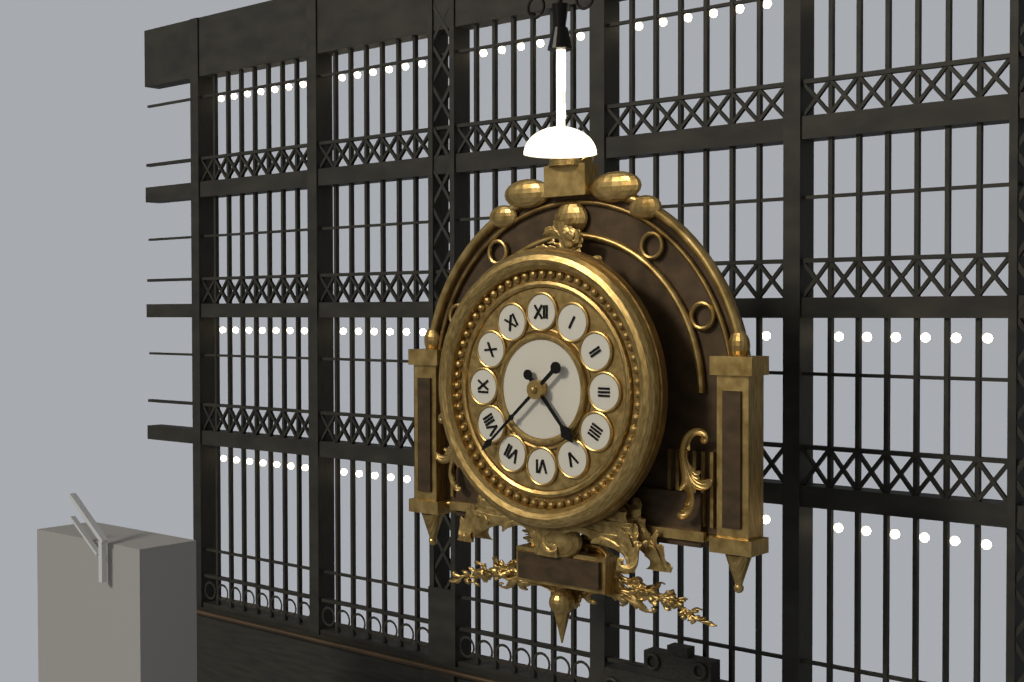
4:38
